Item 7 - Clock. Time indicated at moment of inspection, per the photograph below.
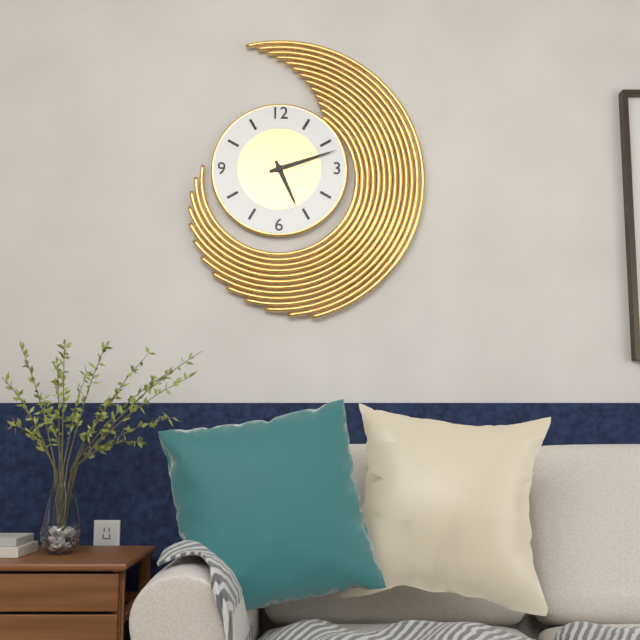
5:12
